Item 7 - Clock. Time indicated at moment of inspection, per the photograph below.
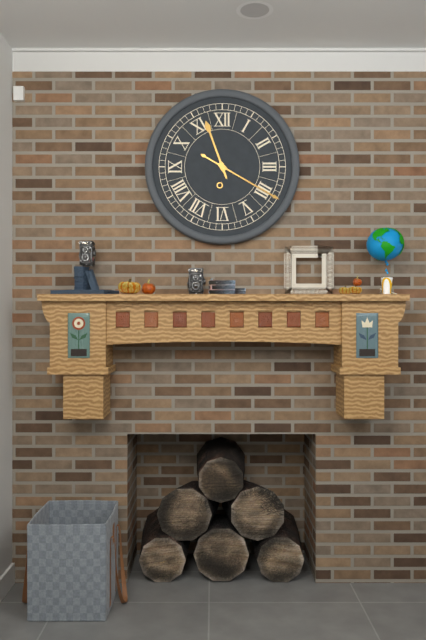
11:20
